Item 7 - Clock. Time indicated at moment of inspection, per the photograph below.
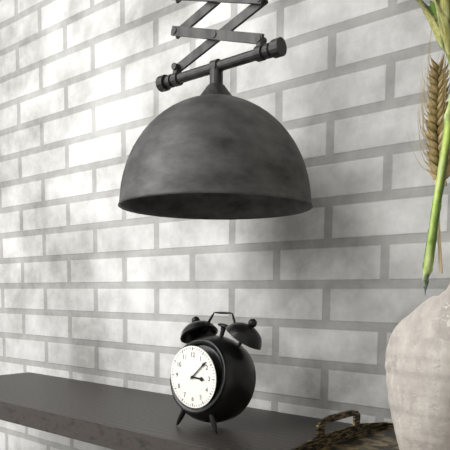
3:08
